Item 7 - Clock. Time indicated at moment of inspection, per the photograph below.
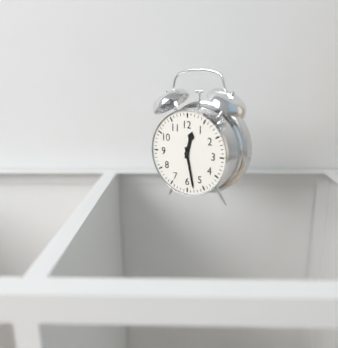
12:28
